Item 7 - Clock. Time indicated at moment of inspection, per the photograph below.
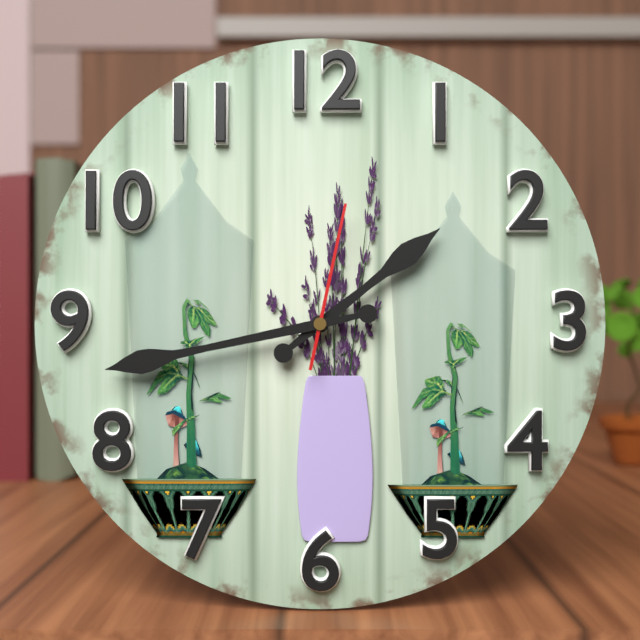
1:43:02
